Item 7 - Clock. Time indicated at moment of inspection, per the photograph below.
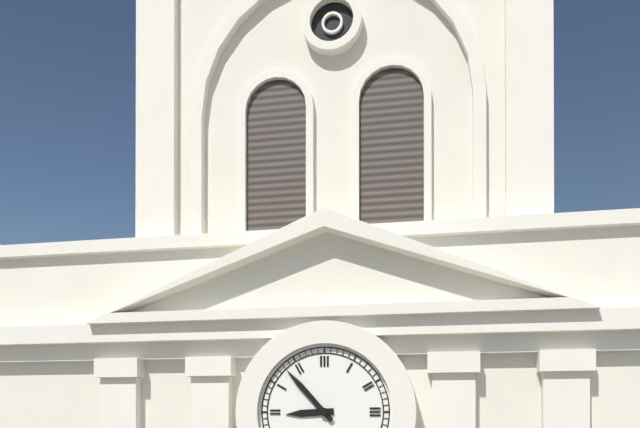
8:53
